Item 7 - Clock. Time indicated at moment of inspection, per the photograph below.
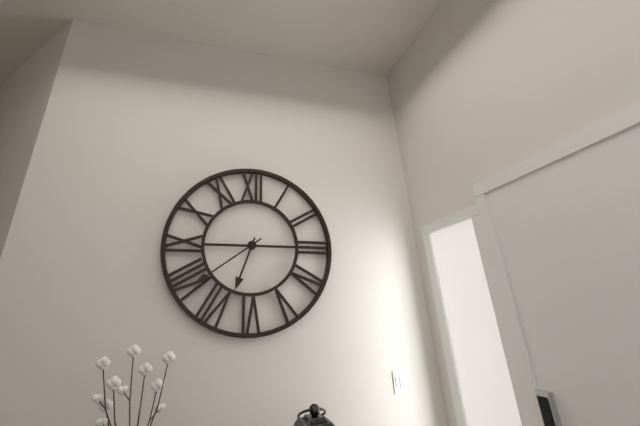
6:39
